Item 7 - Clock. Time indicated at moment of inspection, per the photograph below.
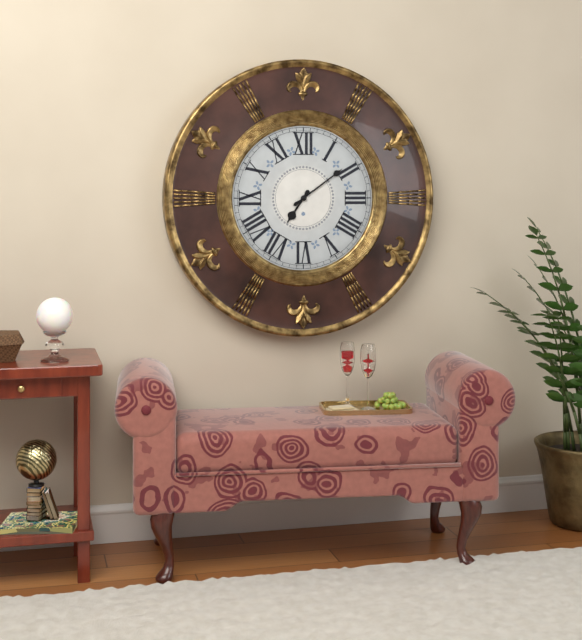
7:09
